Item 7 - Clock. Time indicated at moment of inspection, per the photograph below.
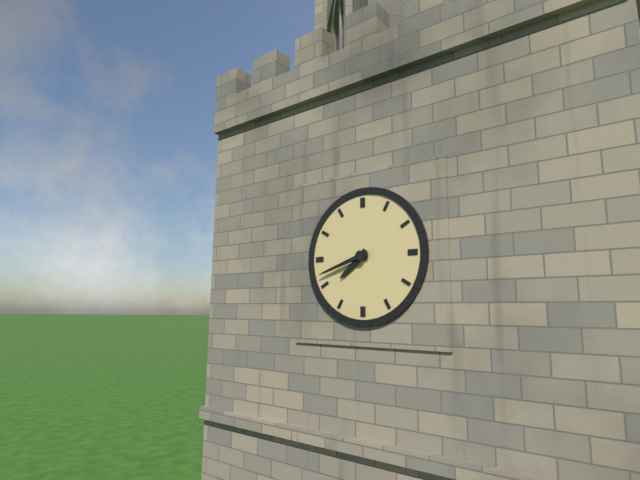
7:42
